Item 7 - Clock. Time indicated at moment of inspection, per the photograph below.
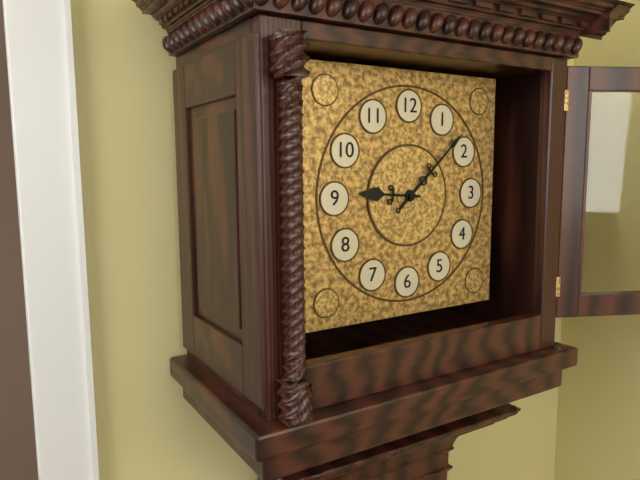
9:08
